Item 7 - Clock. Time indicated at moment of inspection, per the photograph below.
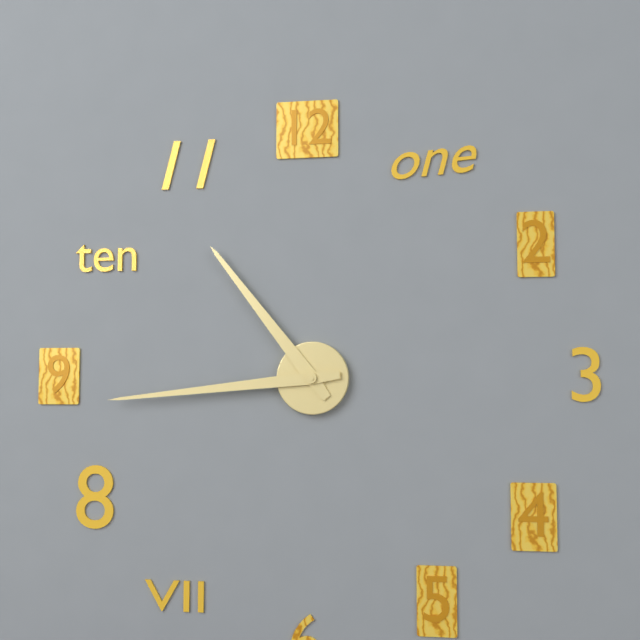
10:44
